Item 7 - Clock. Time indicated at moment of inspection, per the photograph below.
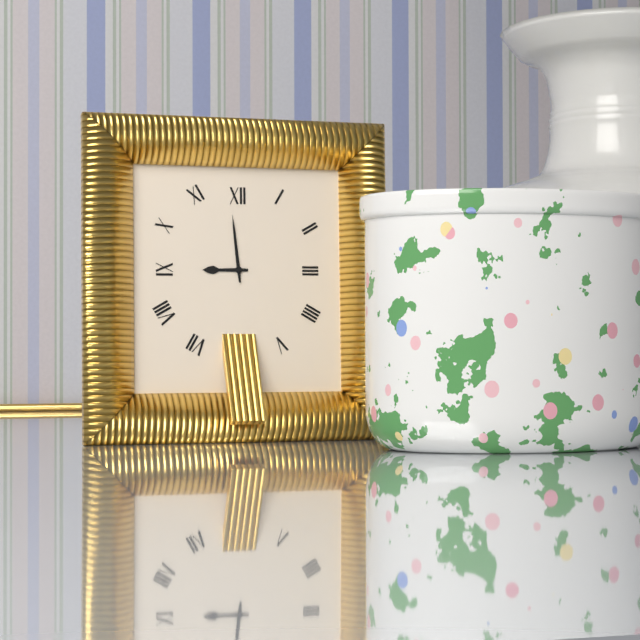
8:59
